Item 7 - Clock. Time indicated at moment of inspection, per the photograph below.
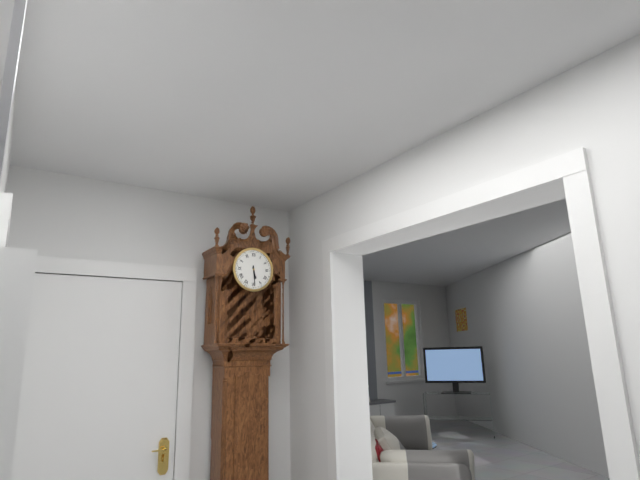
5:29
